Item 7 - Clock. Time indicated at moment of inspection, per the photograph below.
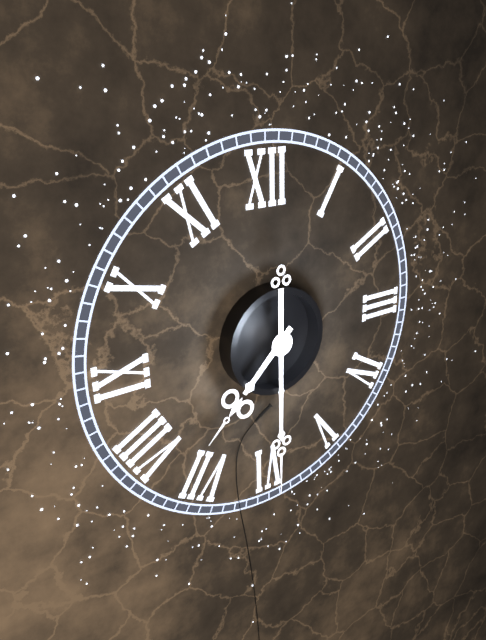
7:30
